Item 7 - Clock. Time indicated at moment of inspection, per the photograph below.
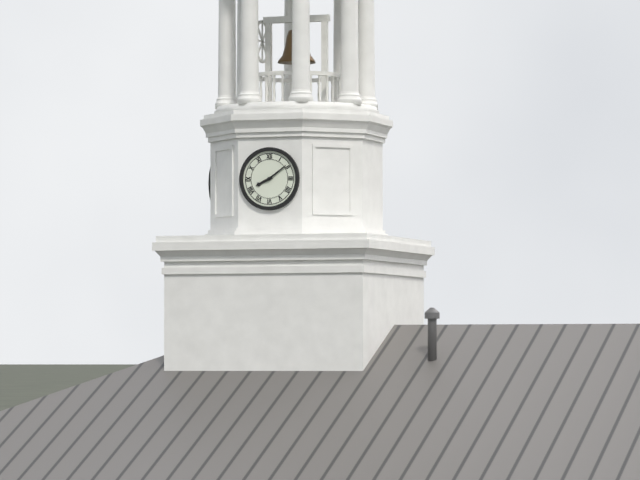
8:09
